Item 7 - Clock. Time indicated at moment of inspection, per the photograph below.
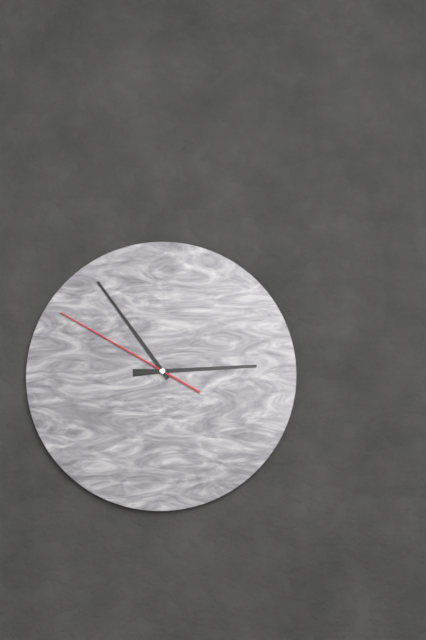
2:54:50
